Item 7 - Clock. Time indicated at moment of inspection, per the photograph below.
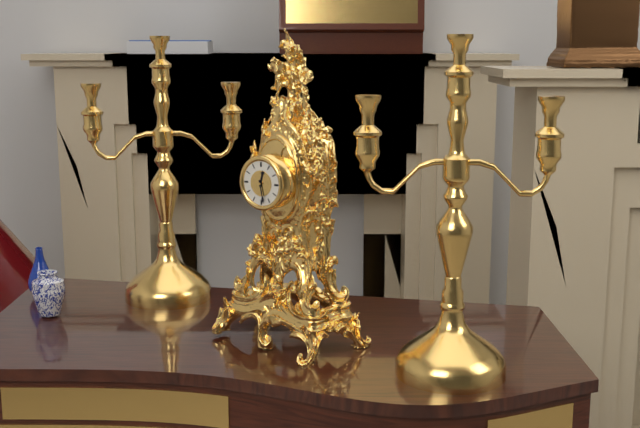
12:28
